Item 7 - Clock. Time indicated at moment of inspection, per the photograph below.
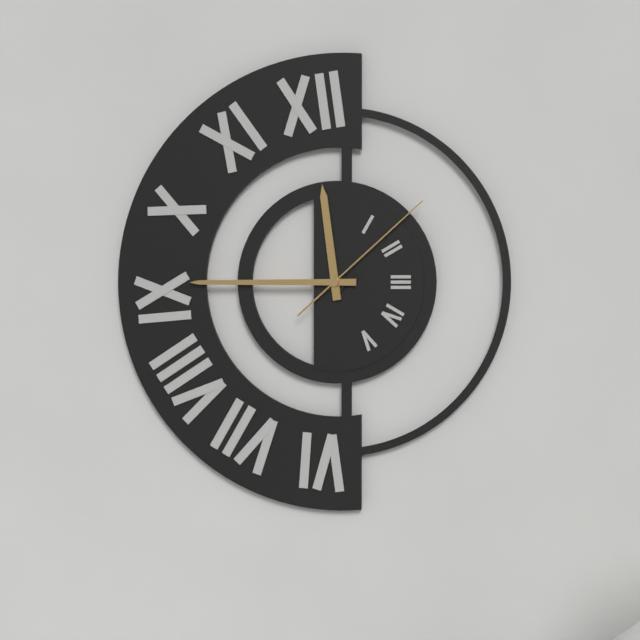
11:45:08
